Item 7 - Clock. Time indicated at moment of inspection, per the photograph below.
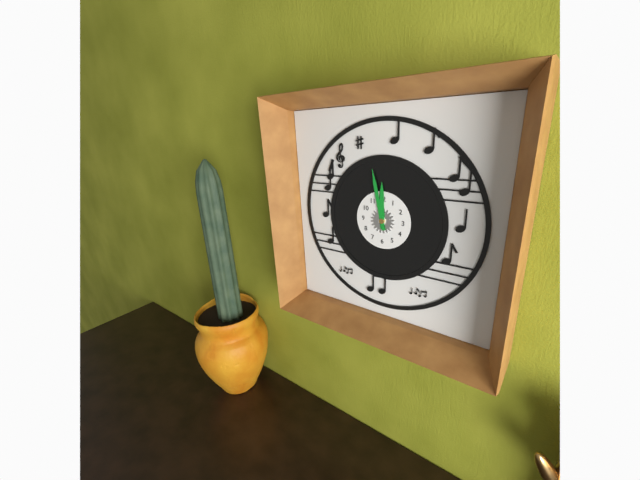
11:58
